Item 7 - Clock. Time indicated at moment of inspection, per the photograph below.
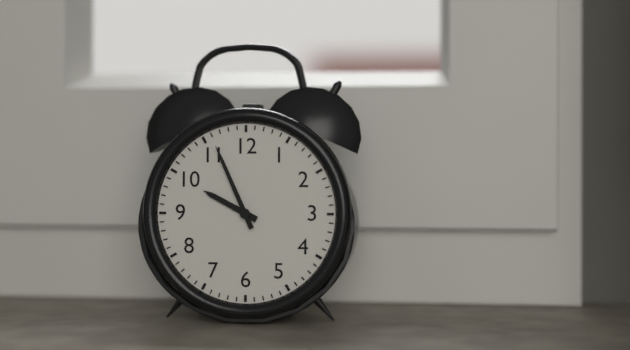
9:56
